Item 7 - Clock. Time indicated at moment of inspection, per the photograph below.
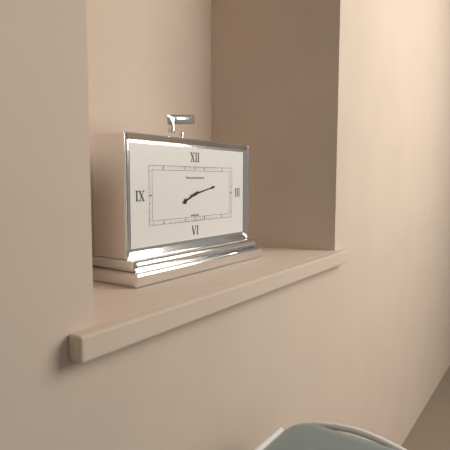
8:13
